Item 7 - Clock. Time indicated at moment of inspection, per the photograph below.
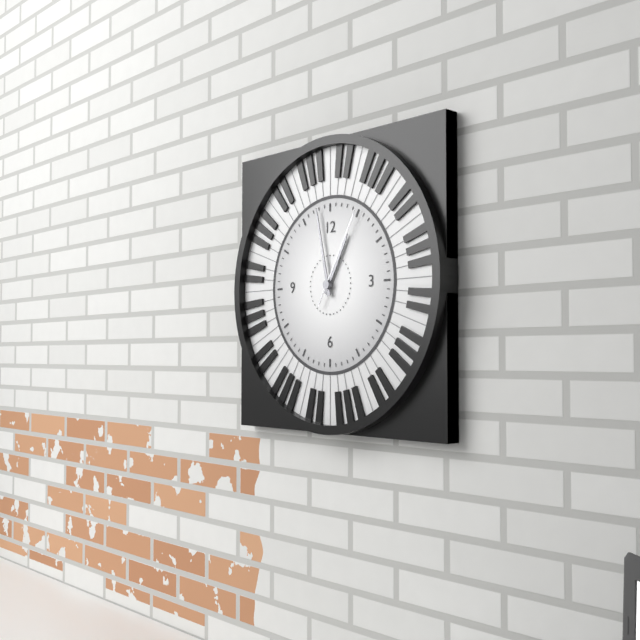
12:58:05
